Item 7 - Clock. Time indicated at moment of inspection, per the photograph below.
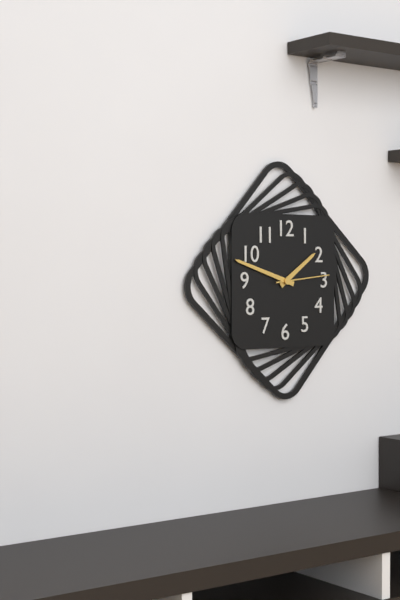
1:48:14
